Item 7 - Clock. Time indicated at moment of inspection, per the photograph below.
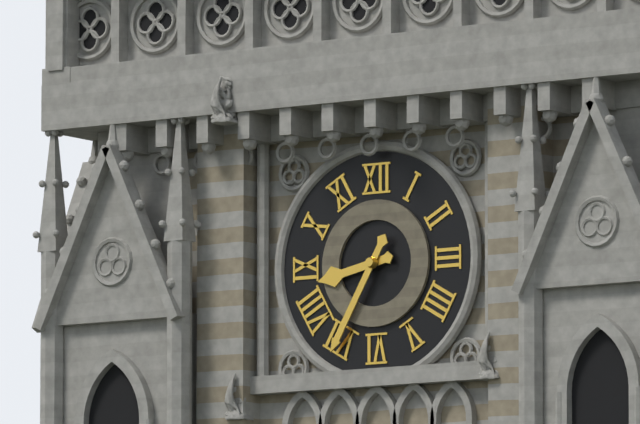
8:35
